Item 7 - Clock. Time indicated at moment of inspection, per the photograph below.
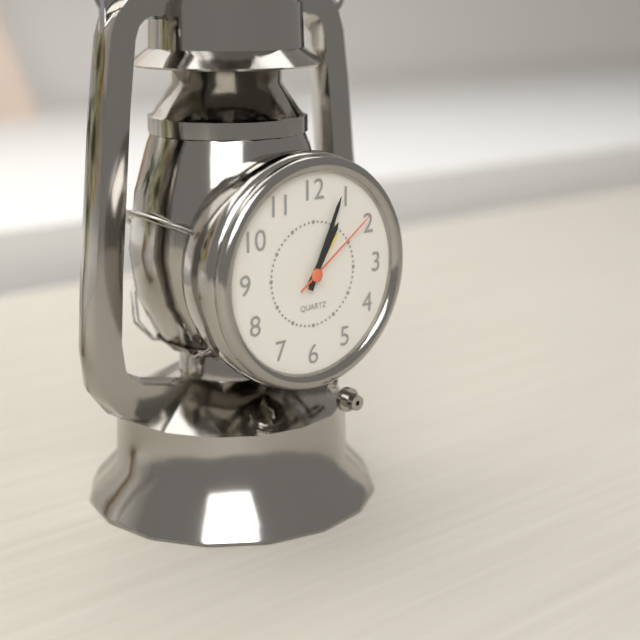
1:04:09
